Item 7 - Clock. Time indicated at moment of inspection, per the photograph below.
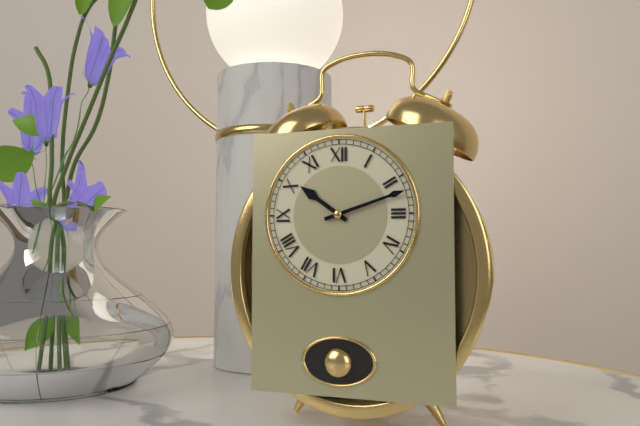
10:12
